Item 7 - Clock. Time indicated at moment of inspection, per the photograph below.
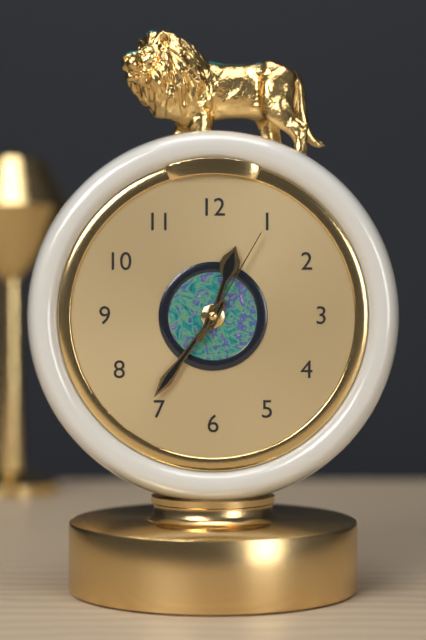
12:36:05
